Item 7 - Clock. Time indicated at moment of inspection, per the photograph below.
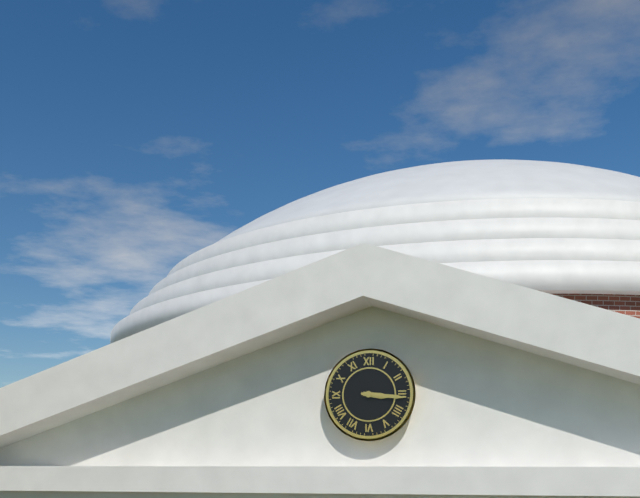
3:16
